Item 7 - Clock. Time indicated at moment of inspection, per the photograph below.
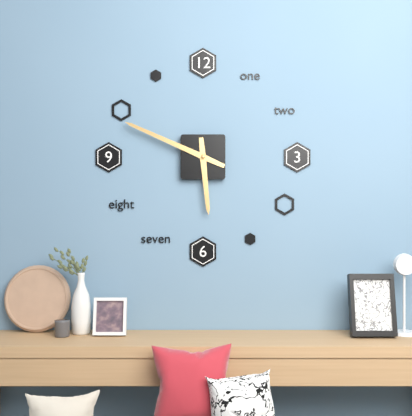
5:49
